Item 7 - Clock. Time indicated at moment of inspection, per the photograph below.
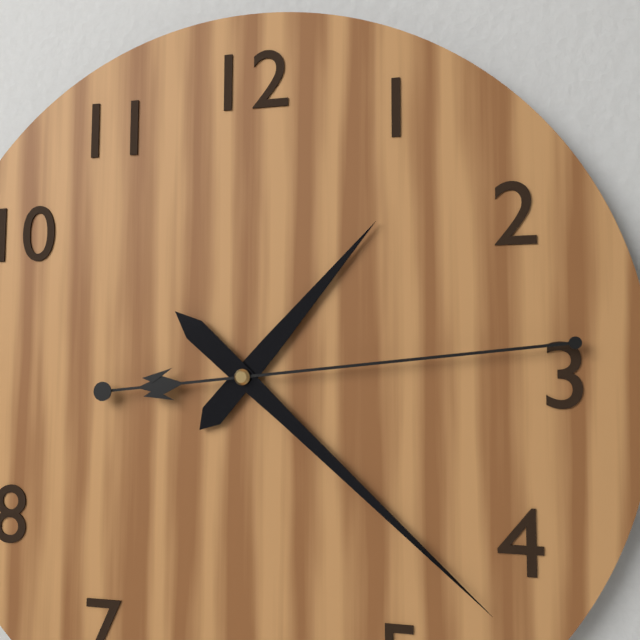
1:22:14
